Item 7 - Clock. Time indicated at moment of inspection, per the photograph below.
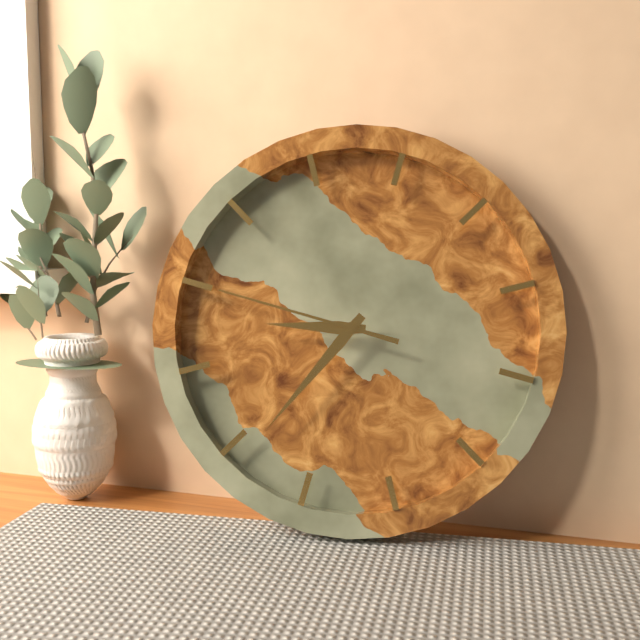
8:34:45
